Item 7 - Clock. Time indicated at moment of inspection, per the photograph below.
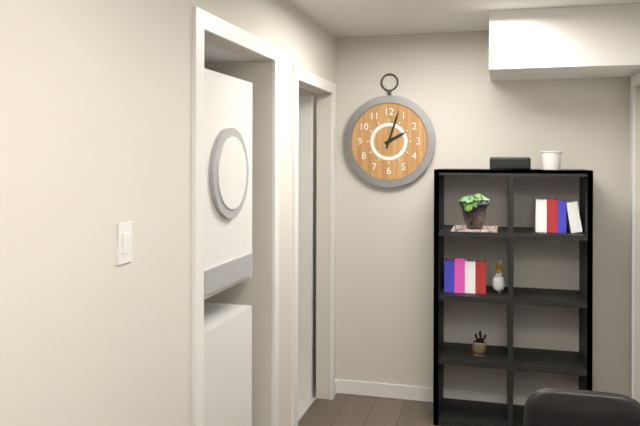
2:03
